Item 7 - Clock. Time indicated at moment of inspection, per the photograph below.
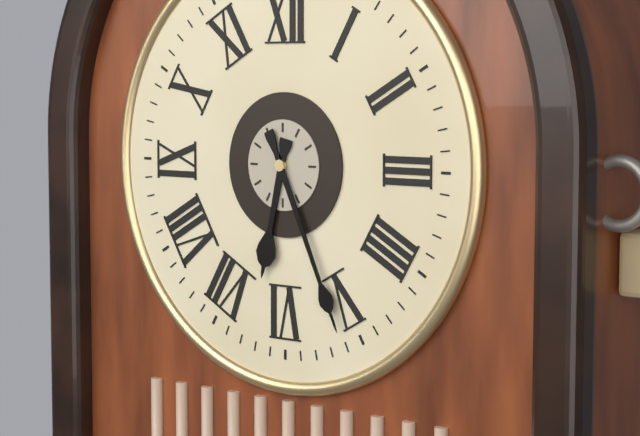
6:26
